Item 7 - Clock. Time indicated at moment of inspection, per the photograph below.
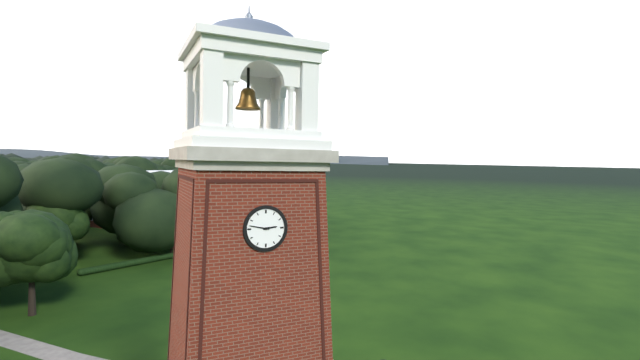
2:47
